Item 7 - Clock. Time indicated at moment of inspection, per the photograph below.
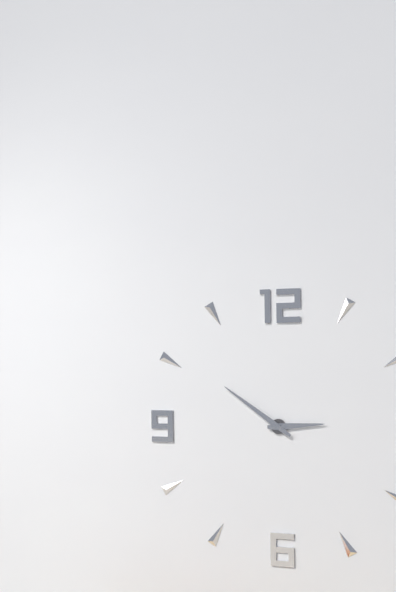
2:51
